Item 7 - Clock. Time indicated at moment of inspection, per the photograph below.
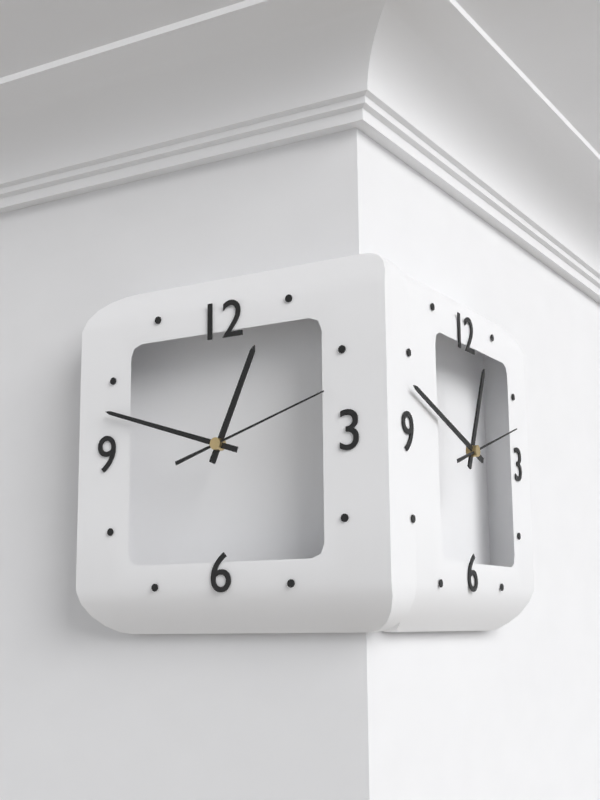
12:48:12
